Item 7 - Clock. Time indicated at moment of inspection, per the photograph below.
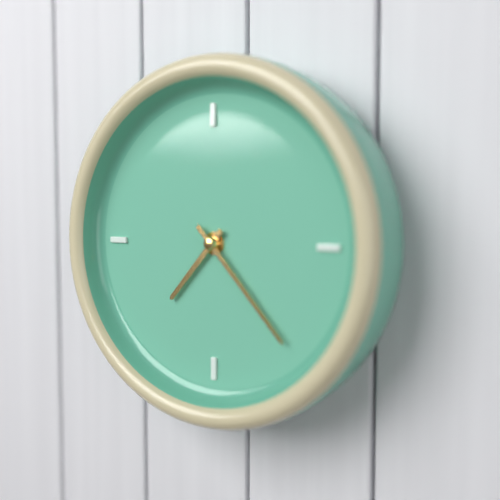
7:23
